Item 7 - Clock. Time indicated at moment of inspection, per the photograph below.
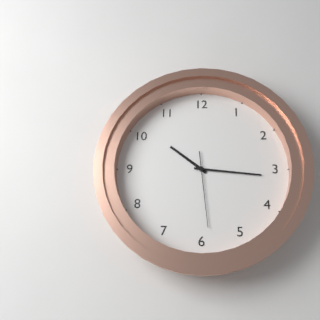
10:16:29
